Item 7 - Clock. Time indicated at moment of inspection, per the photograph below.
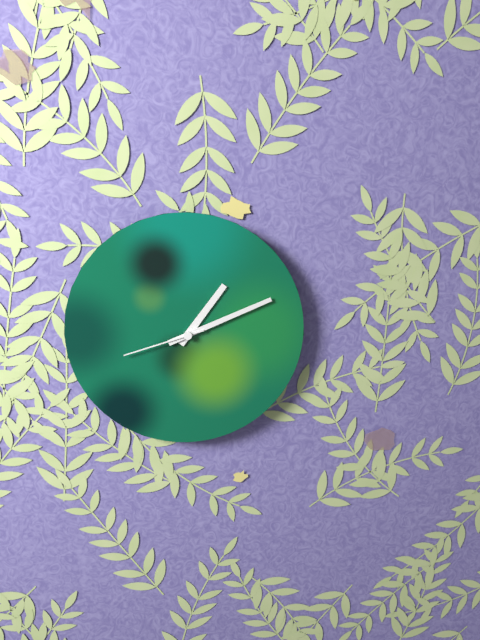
1:11:42
